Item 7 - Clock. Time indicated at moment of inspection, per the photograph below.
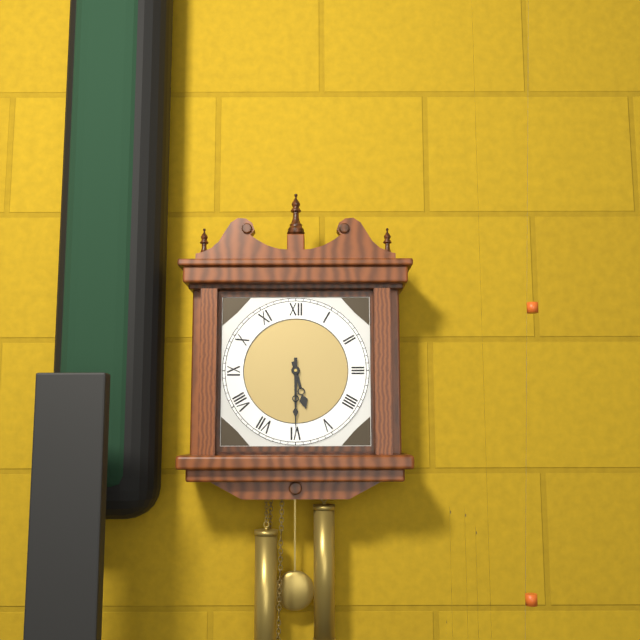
5:30
